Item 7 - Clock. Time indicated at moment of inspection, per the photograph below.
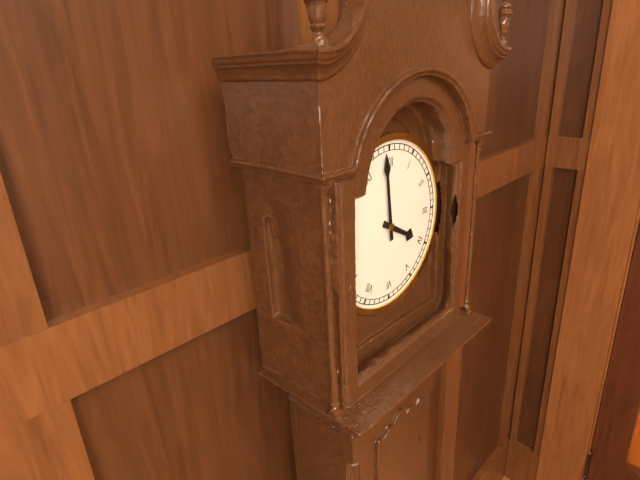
3:59
